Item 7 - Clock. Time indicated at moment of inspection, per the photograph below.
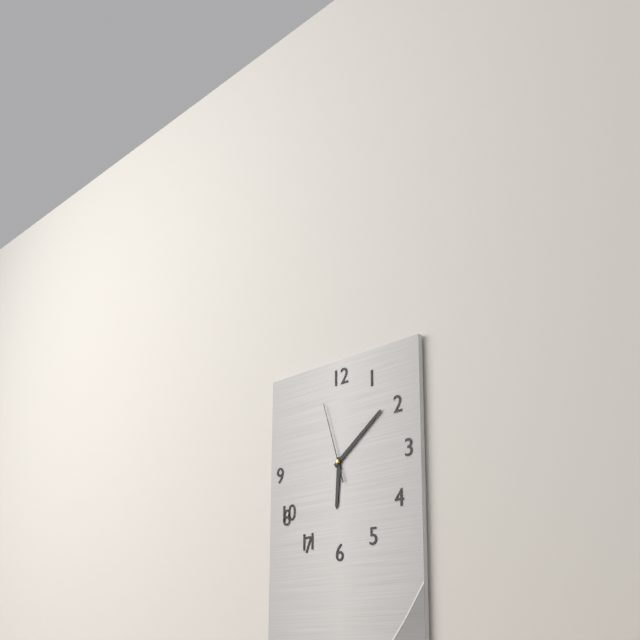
6:09:57
